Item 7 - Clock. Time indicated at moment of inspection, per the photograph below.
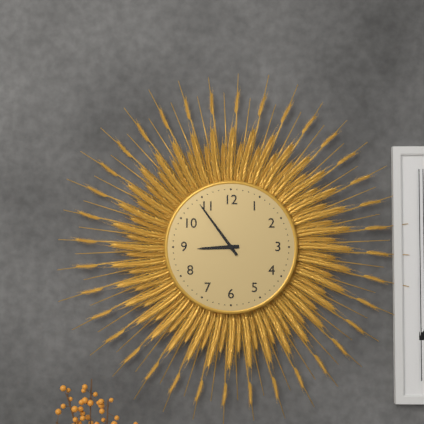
8:54
